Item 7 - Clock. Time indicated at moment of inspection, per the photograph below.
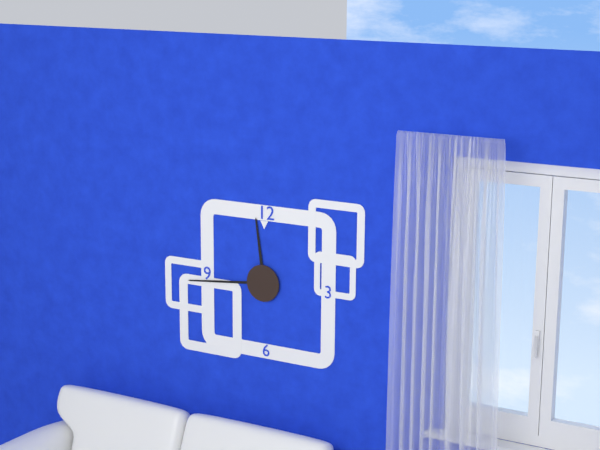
11:44
